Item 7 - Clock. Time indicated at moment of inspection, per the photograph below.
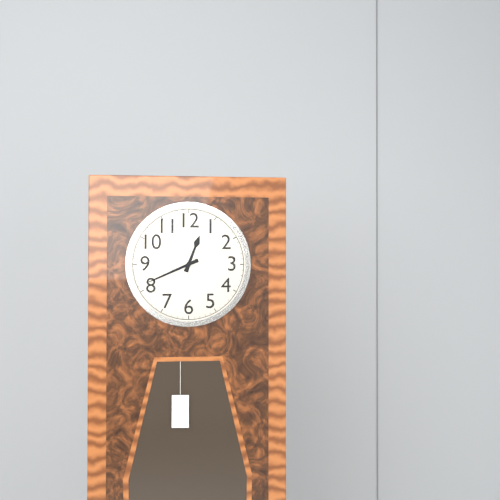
12:41
